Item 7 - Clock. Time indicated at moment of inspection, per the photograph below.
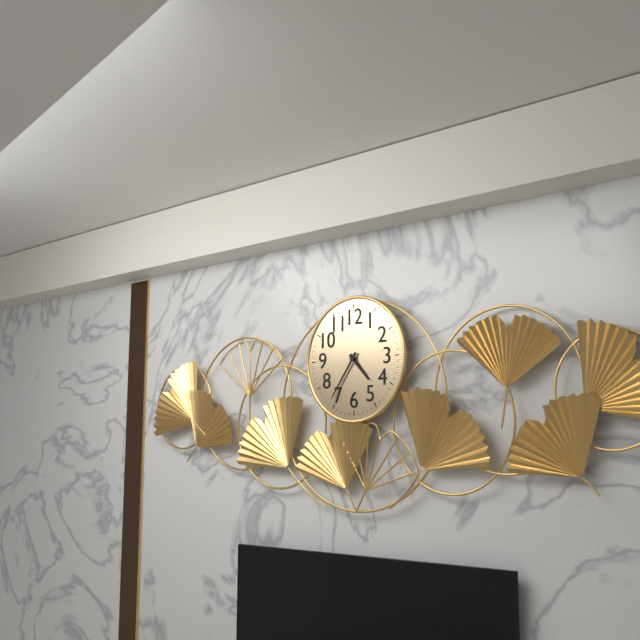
4:36
